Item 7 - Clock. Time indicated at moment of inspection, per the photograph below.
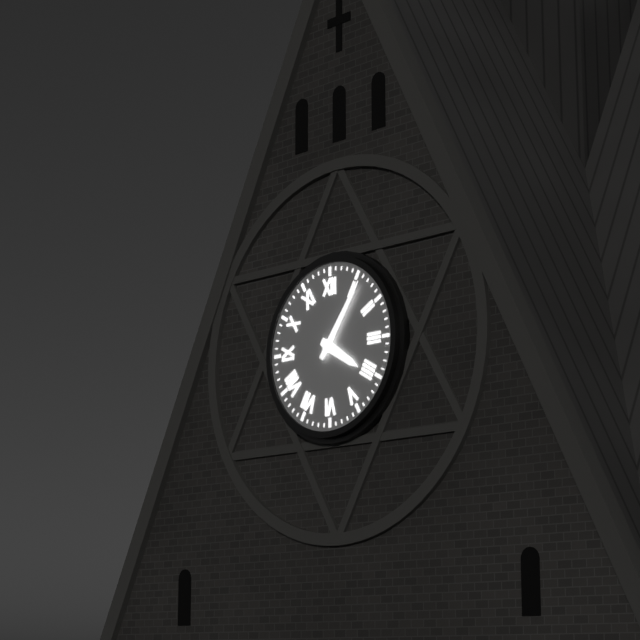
4:06
